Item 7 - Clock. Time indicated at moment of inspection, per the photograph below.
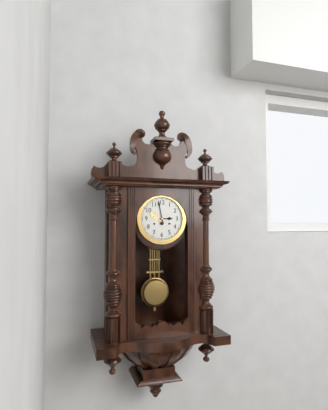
2:58
